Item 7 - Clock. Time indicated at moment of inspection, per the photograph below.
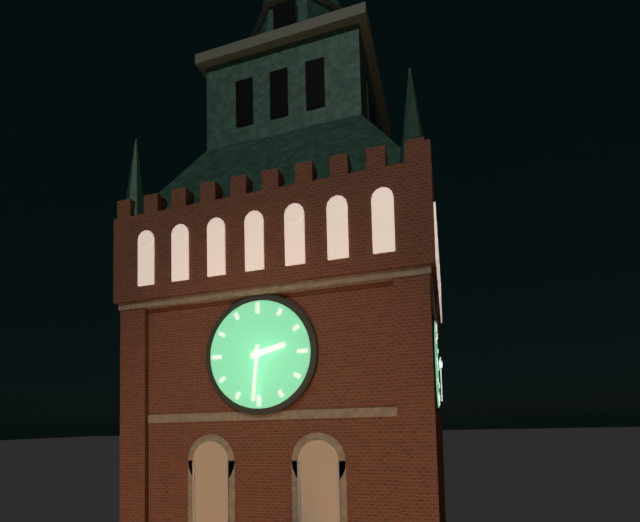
2:31
